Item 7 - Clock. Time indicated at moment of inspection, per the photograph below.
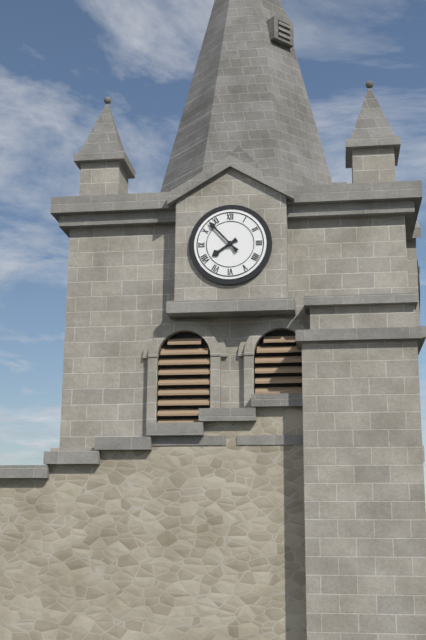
7:53
